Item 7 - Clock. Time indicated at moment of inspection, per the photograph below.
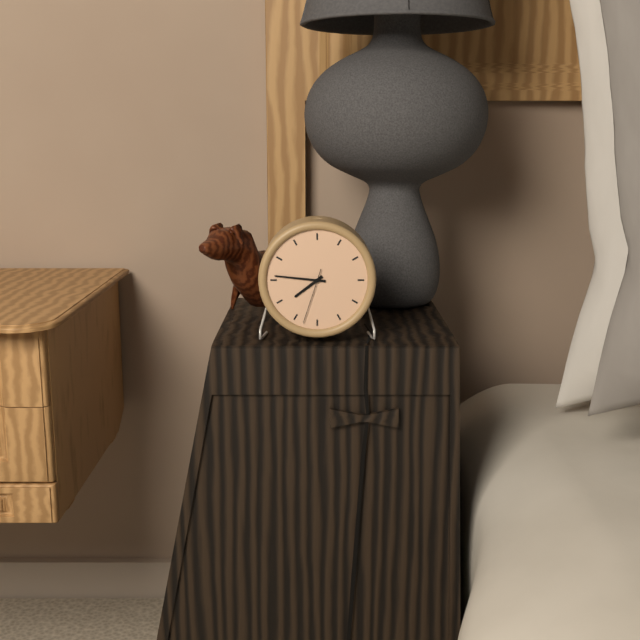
7:46:33
